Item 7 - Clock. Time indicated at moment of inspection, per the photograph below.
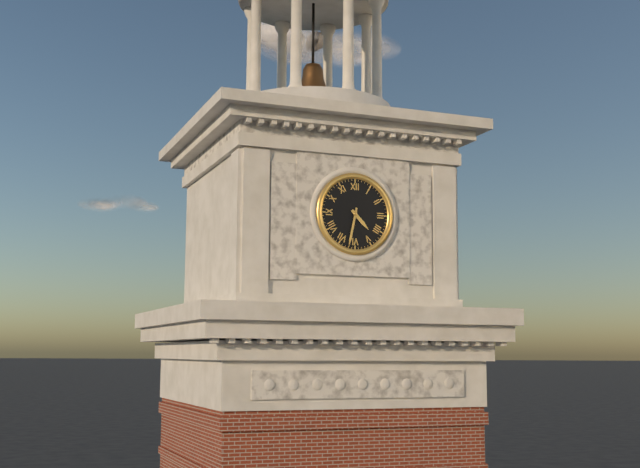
4:32
